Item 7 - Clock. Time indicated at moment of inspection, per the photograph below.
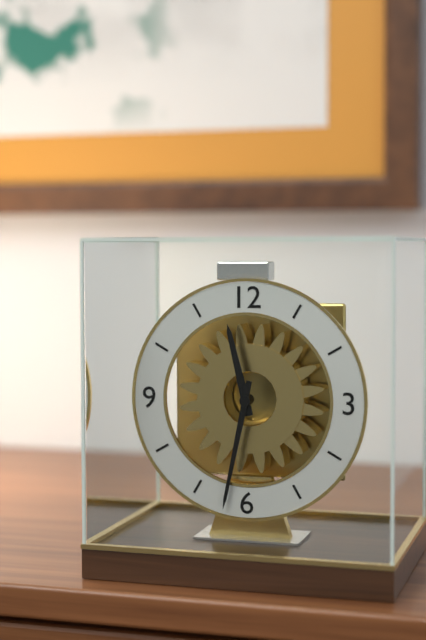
11:32
